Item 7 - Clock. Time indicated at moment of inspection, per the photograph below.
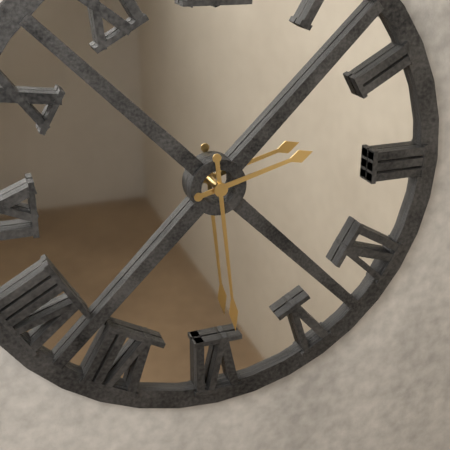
2:29
